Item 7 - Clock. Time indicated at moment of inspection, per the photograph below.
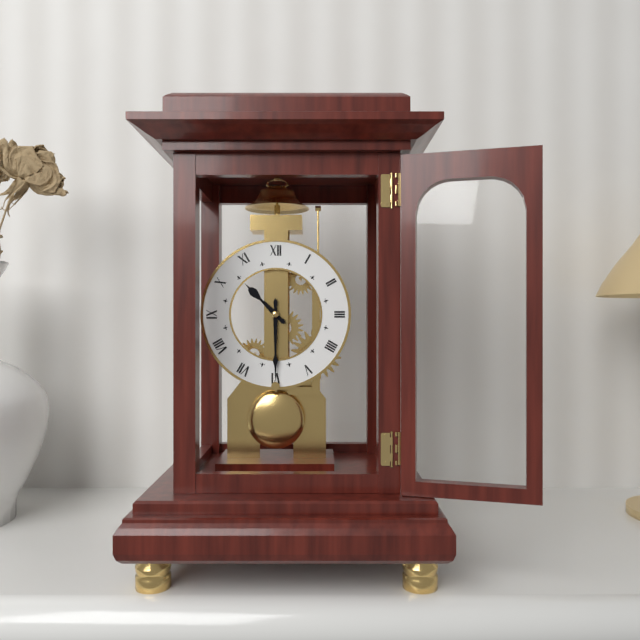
10:30
